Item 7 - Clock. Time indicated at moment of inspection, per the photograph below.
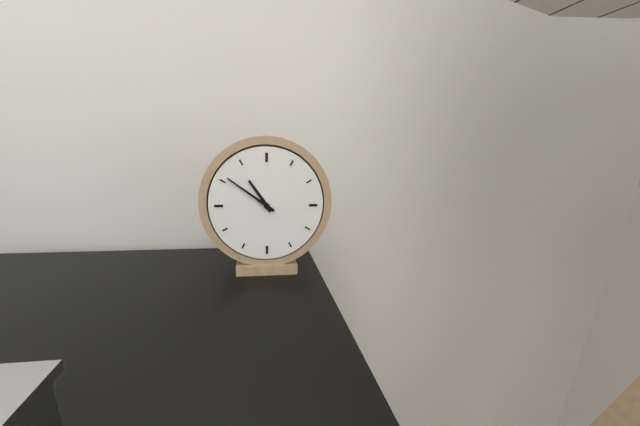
10:51
